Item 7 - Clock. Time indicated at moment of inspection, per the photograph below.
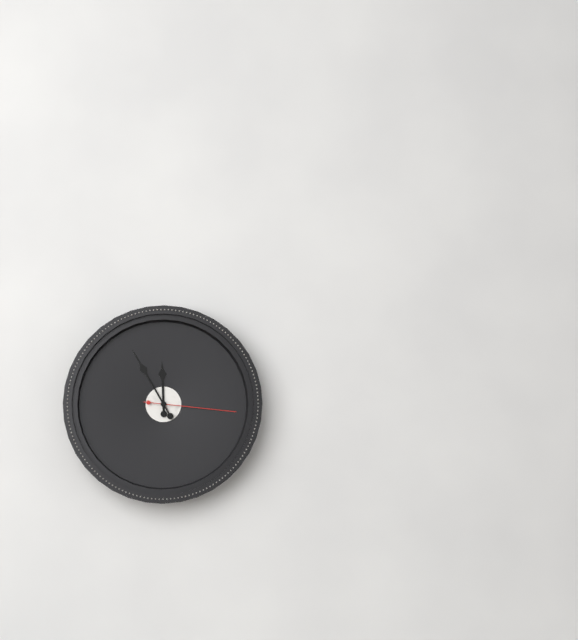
11:55:16
